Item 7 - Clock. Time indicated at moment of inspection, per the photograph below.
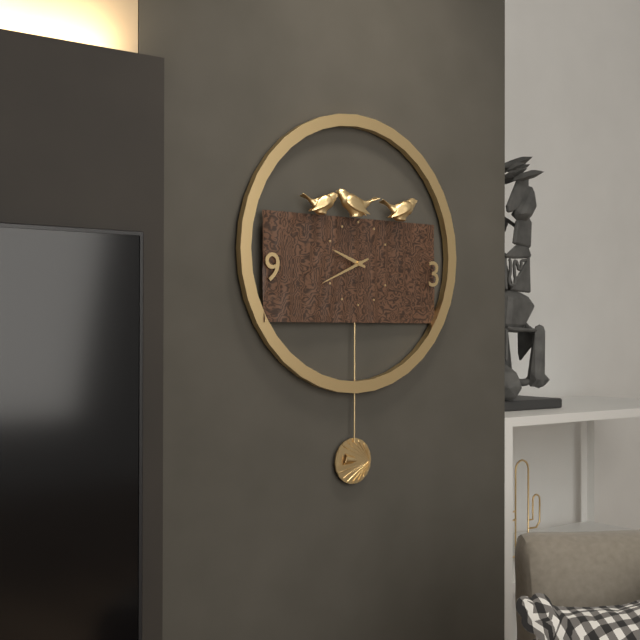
9:41
